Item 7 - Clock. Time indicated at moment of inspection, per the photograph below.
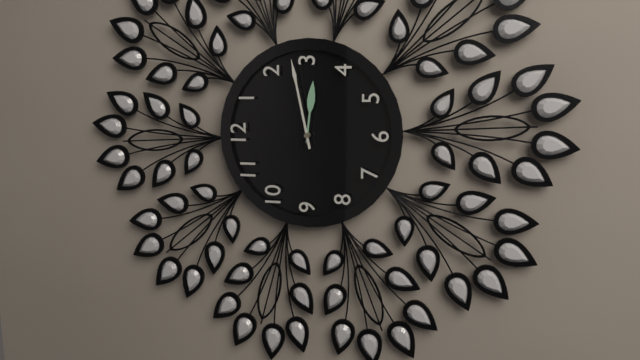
3:13
